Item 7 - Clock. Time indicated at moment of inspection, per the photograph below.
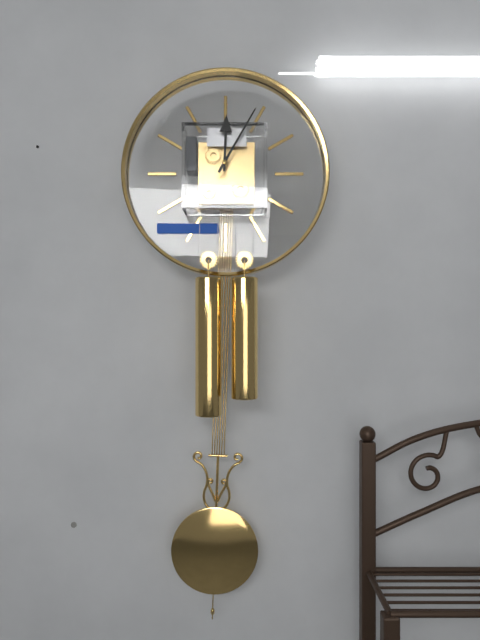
12:05
